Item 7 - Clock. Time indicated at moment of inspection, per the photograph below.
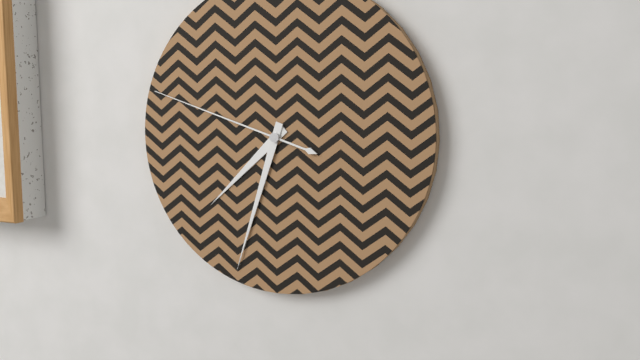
7:33:48
